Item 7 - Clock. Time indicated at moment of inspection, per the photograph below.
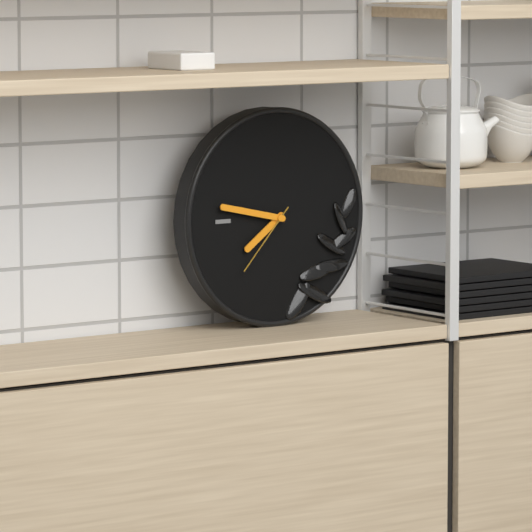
7:47:37
